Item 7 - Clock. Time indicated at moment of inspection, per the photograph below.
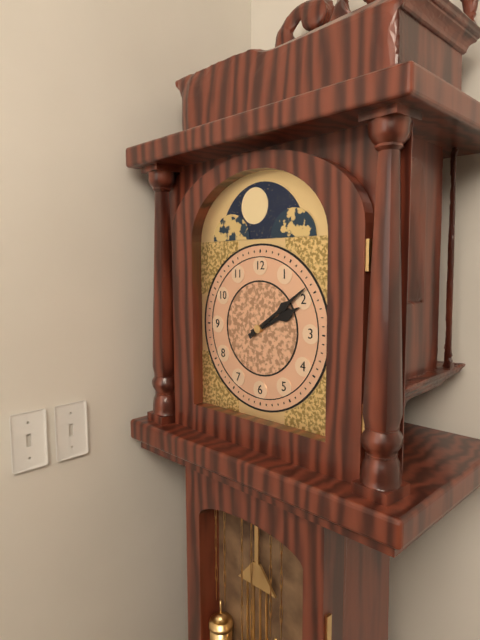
2:09
